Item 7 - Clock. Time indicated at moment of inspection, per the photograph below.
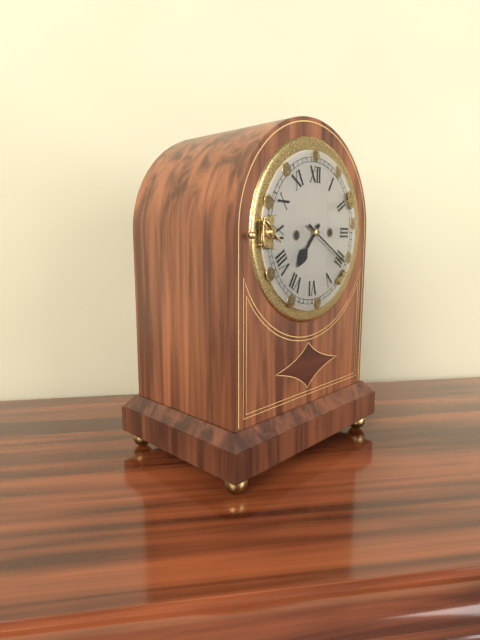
7:20
